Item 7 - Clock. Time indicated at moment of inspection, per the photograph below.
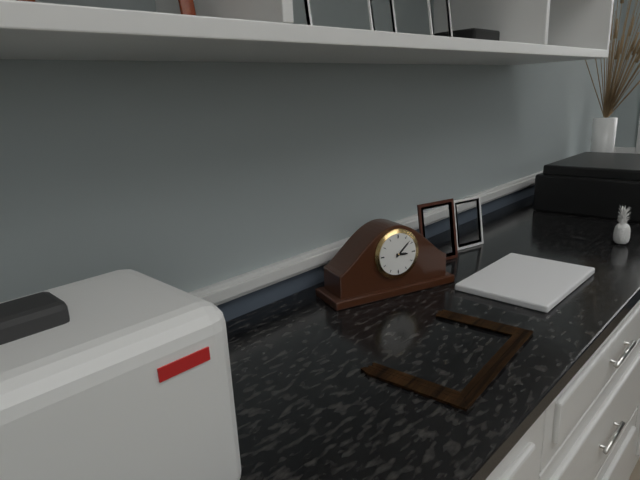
3:08
